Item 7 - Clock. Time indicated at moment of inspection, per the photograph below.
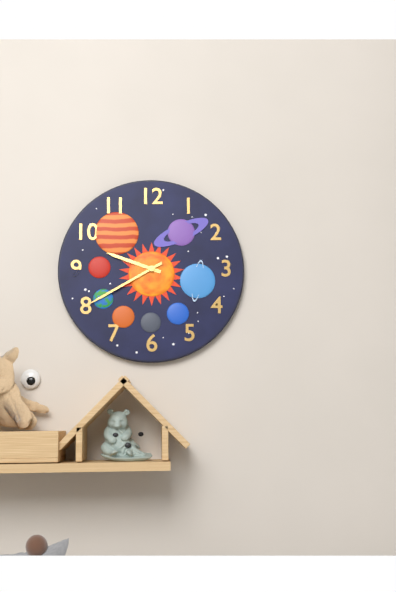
9:40
